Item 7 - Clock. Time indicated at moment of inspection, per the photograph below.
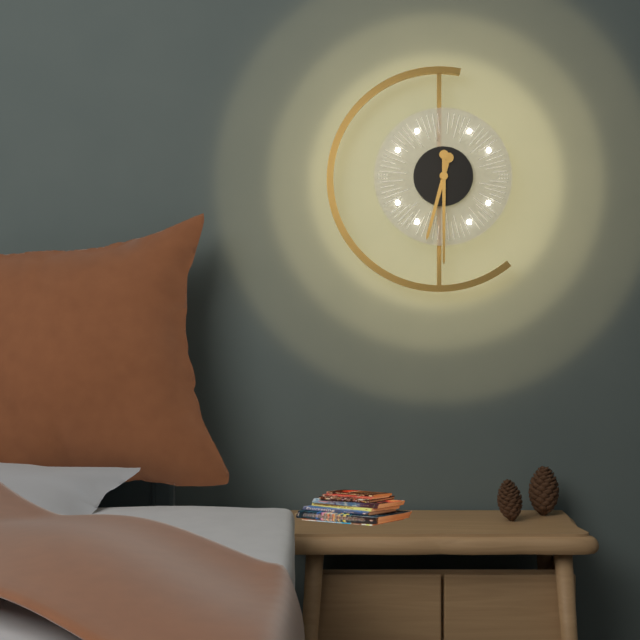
6:30
